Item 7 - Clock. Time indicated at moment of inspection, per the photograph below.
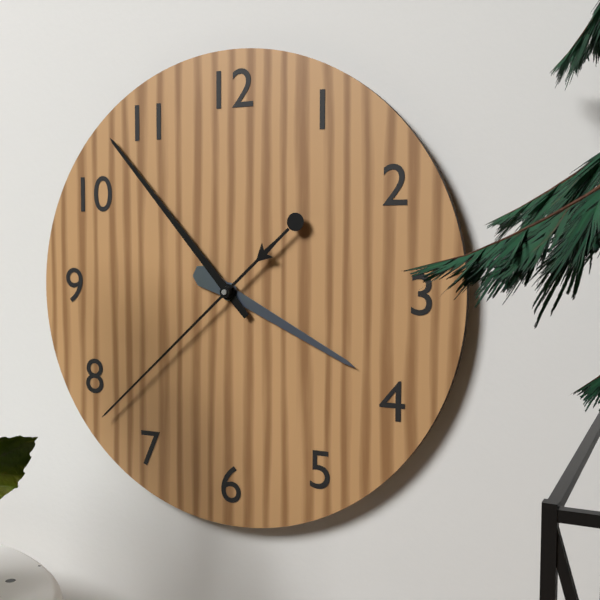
3:53:38
